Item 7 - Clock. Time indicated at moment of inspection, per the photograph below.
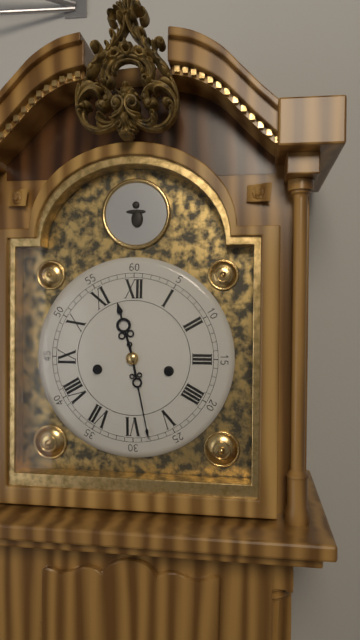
11:28
